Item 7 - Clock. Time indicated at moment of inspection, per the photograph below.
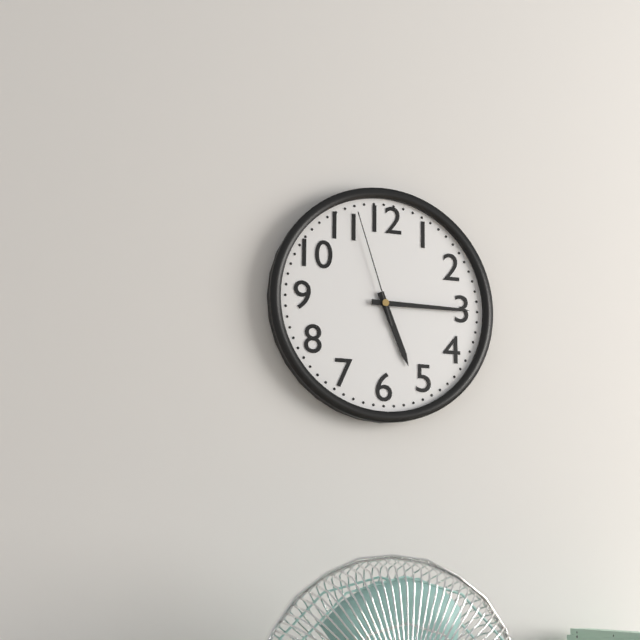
5:15:57
